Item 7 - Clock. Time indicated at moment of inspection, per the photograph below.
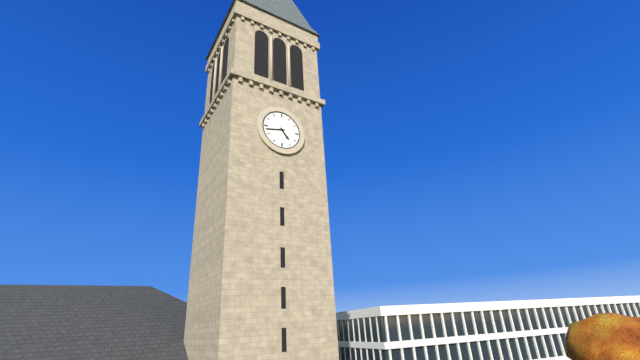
4:43
